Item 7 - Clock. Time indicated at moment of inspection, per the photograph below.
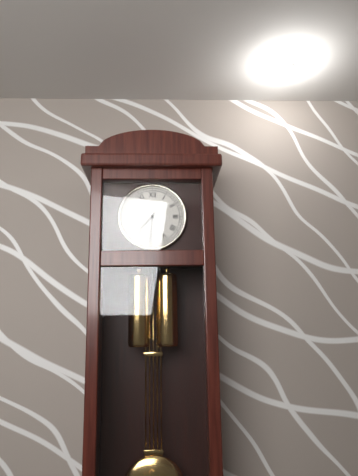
7:31
